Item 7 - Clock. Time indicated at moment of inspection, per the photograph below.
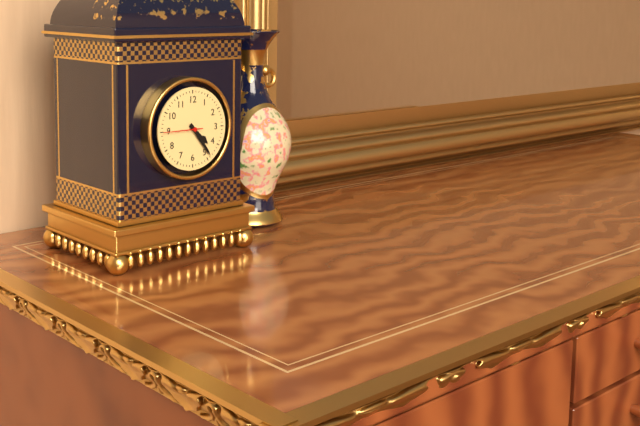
4:24
